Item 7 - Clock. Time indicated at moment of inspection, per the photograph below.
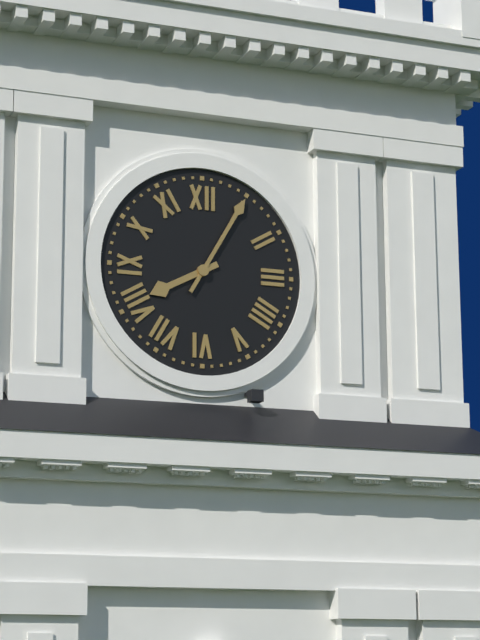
8:05
